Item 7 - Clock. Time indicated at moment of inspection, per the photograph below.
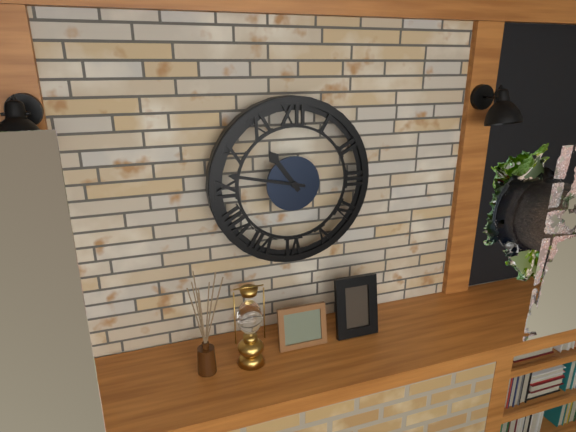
10:47
